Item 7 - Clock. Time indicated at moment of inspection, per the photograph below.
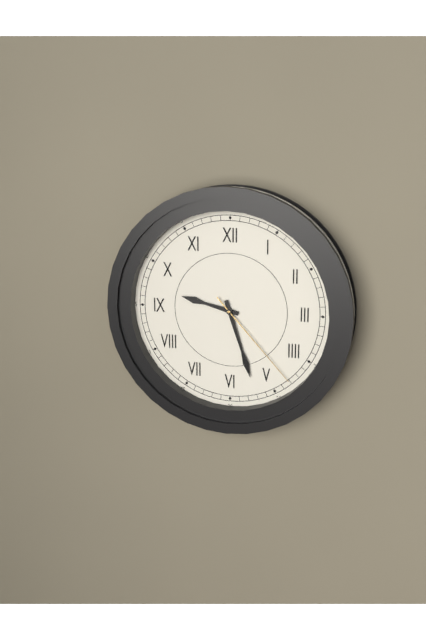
9:27:23
